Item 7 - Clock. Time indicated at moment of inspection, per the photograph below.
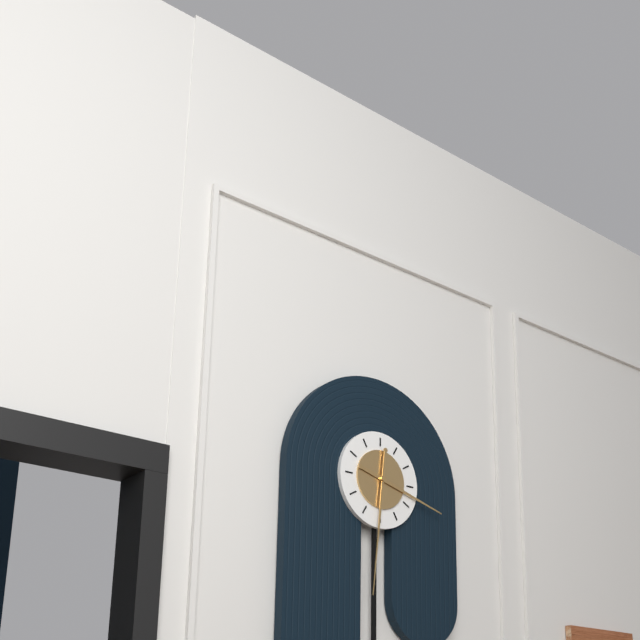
3:31
